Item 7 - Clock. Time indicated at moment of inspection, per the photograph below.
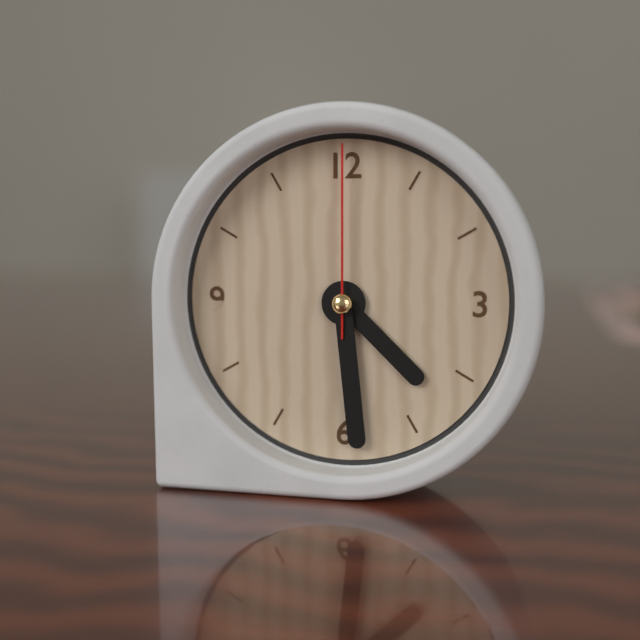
4:29:00
